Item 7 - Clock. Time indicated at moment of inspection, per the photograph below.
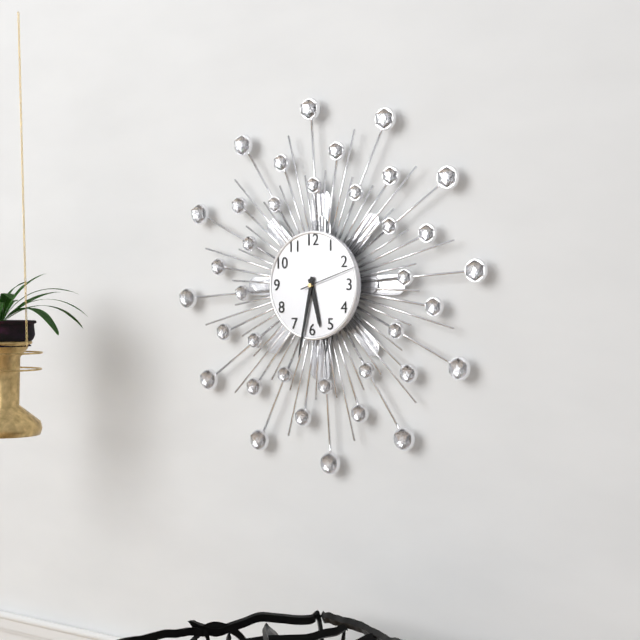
5:32:12
